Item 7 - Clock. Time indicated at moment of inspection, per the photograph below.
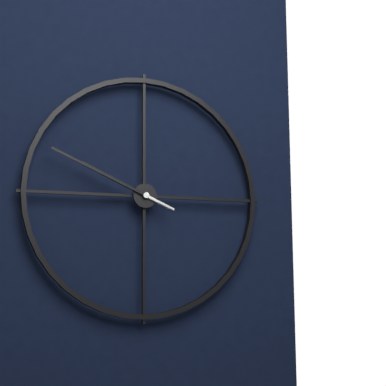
9:49
